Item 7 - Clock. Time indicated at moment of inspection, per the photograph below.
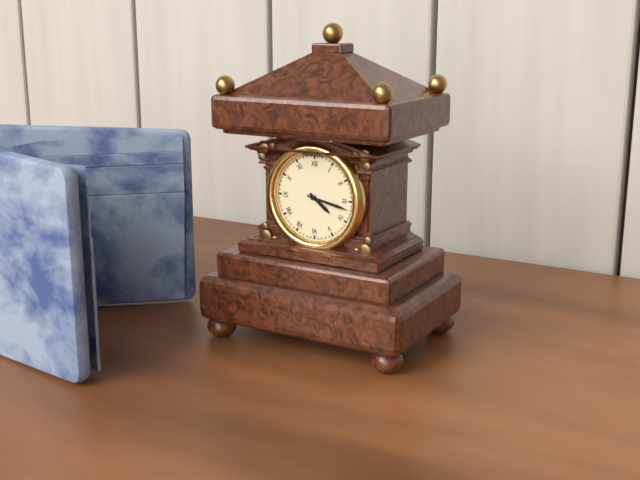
4:17
